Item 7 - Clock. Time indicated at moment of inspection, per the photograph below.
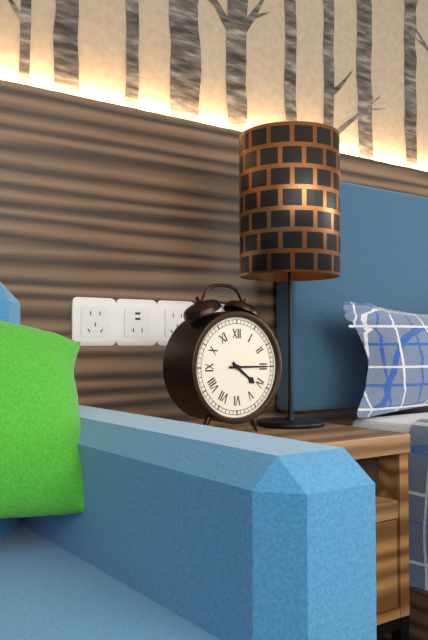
4:15
